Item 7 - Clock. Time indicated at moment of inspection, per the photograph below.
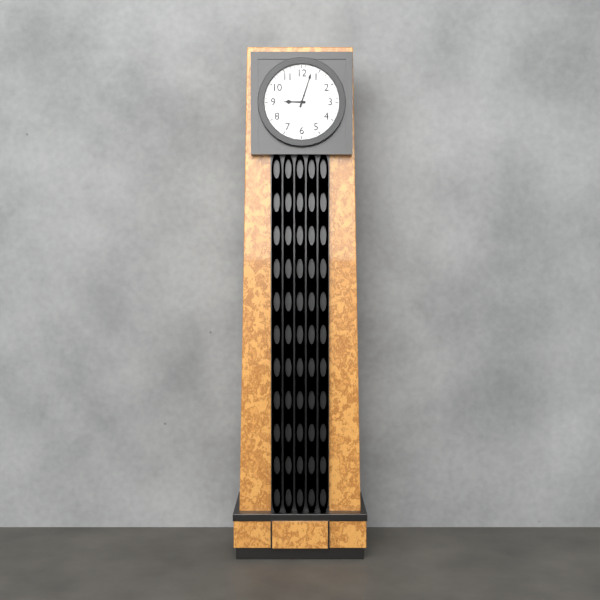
9:03
